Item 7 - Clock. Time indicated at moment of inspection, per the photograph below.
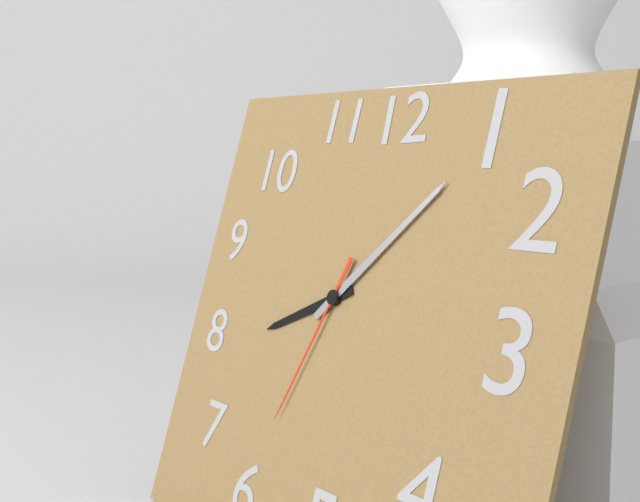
8:07:33
